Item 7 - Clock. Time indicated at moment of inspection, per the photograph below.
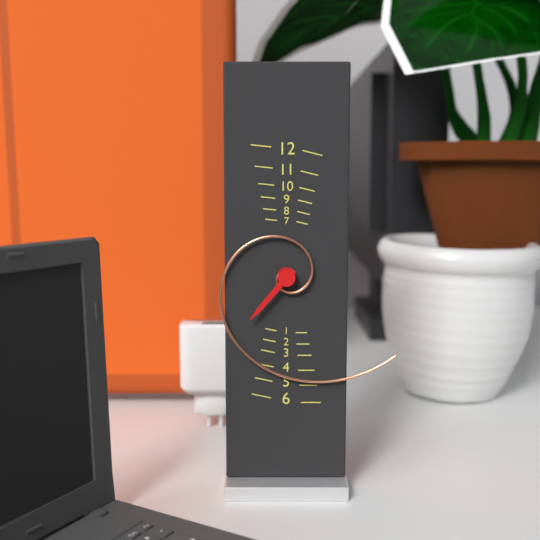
7:21
